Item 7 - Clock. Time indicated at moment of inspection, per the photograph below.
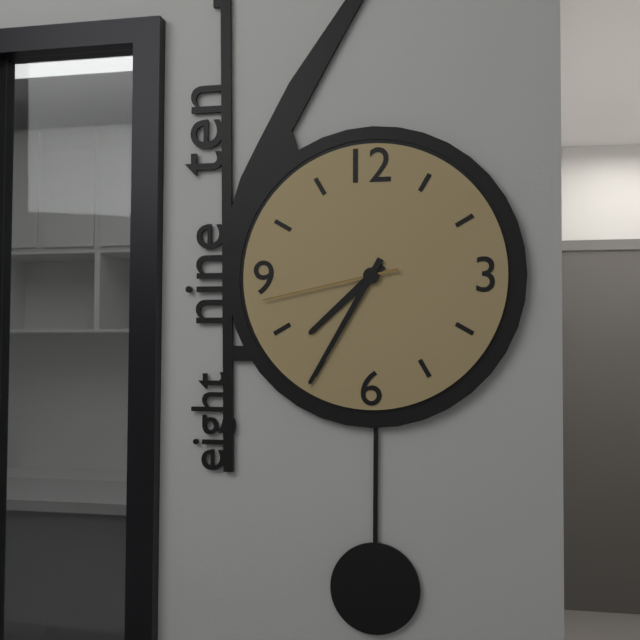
7:35:43
